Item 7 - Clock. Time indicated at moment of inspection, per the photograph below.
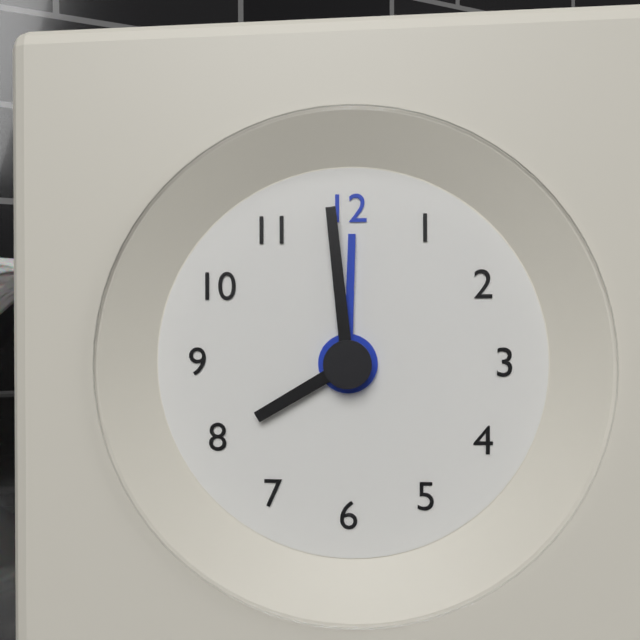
7:59
